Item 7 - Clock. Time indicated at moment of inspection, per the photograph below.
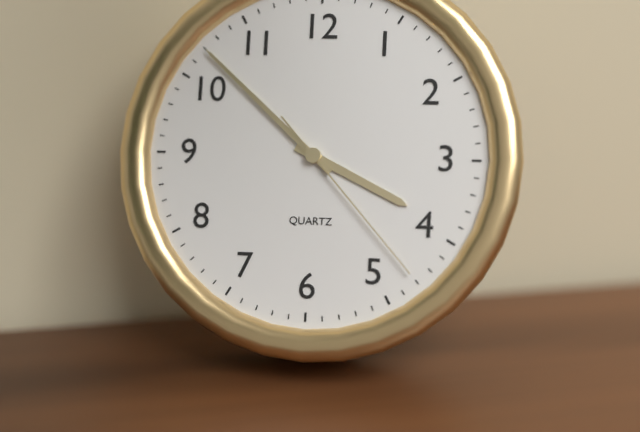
3:52:23
